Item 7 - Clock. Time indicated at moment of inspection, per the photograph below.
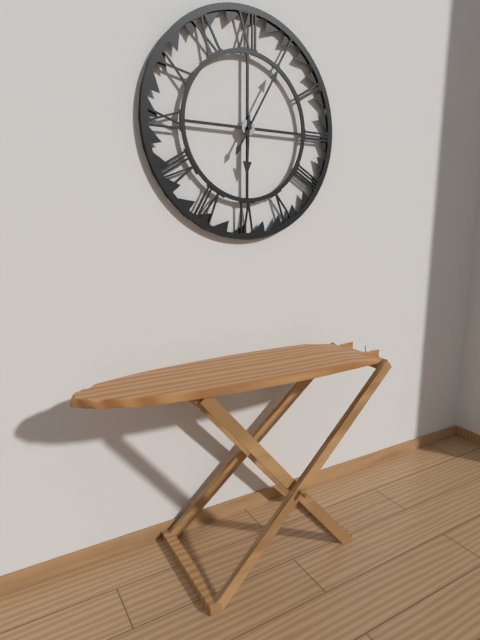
6:05
